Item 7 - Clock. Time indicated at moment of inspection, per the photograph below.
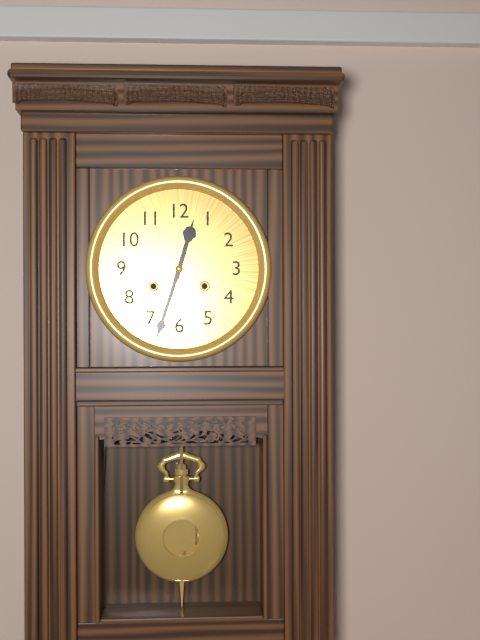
12:33
